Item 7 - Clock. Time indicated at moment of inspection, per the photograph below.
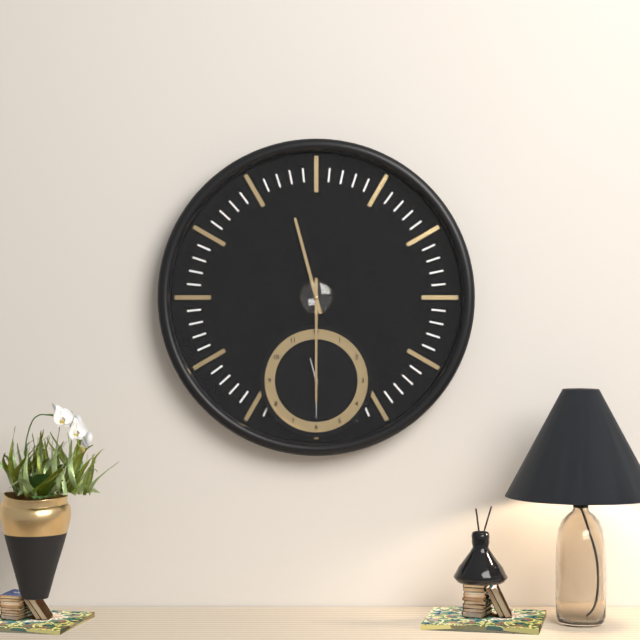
11:30
